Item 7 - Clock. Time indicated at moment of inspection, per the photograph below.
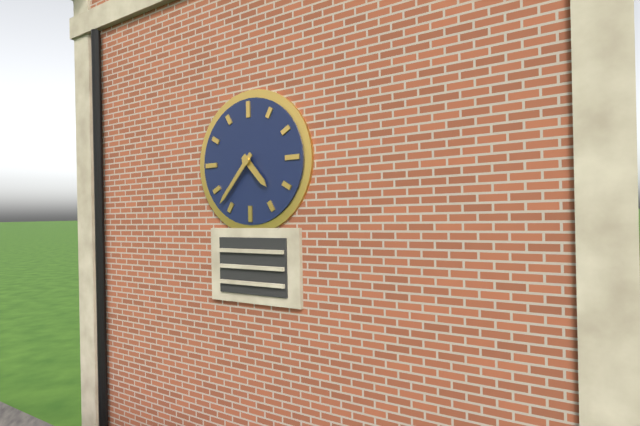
4:37
